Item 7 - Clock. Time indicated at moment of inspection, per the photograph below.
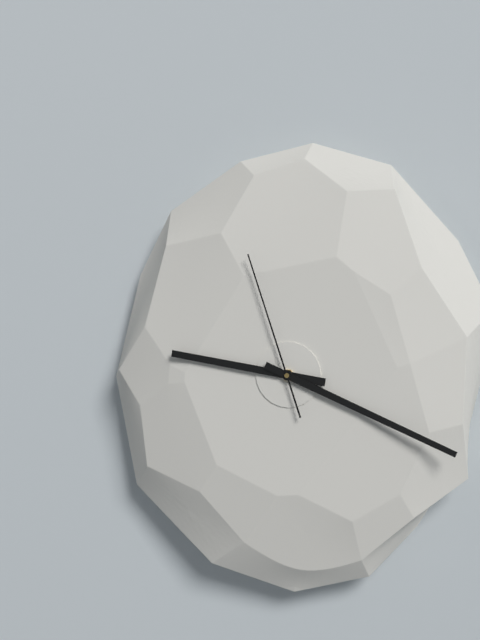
9:19:57
